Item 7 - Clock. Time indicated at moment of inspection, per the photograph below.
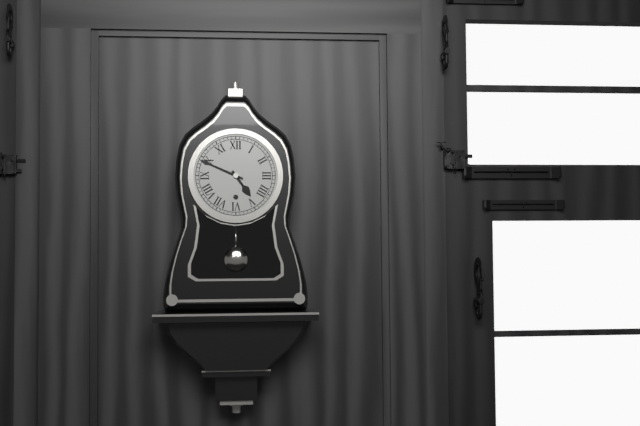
4:49
